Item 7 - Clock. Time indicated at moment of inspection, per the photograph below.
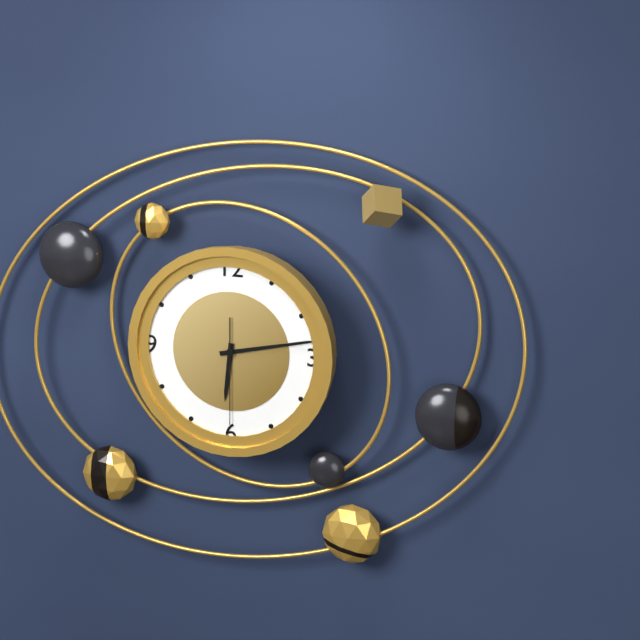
6:13:30
